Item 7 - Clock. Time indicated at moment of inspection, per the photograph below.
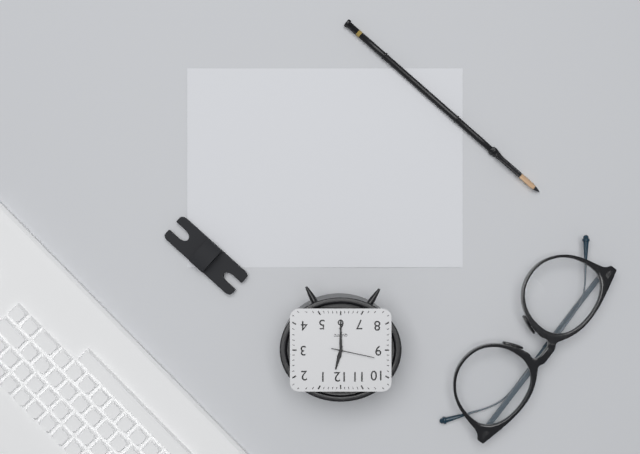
12:30
